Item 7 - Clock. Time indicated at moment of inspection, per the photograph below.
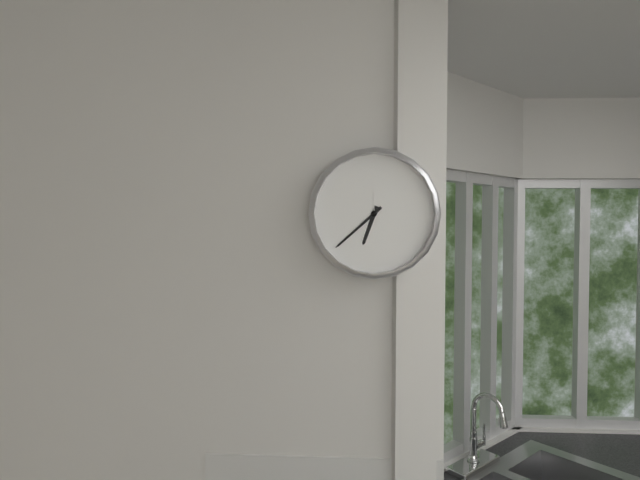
6:38
